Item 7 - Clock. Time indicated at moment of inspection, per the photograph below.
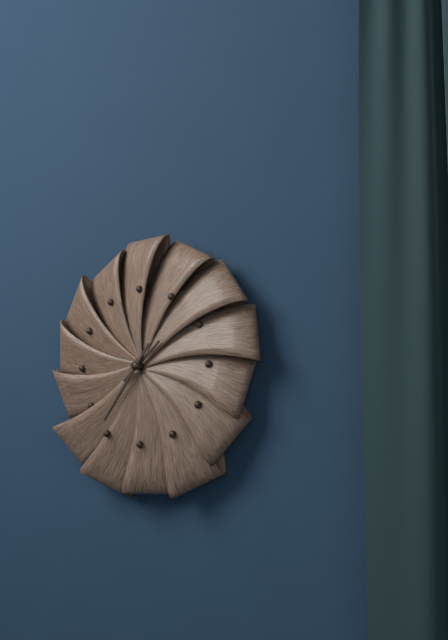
1:36
